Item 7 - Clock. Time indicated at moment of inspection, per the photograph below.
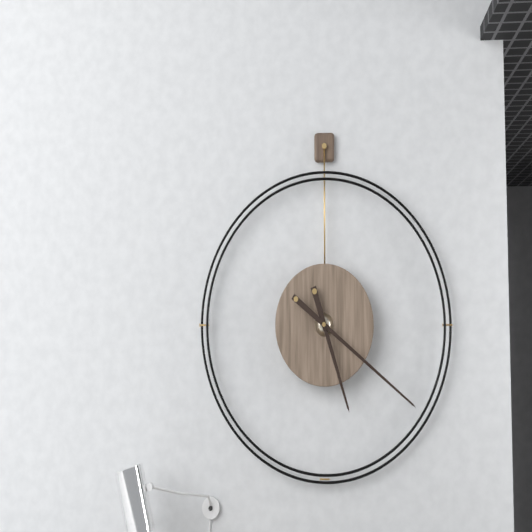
5:21
